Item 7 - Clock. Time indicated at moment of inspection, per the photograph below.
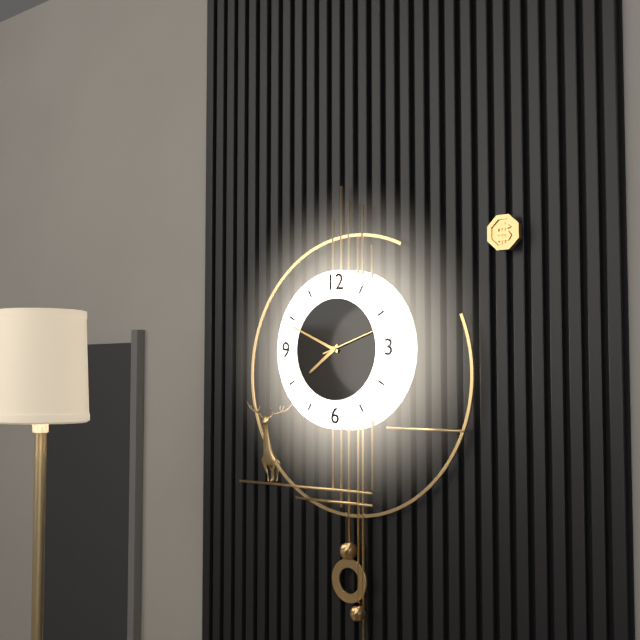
7:49:12
